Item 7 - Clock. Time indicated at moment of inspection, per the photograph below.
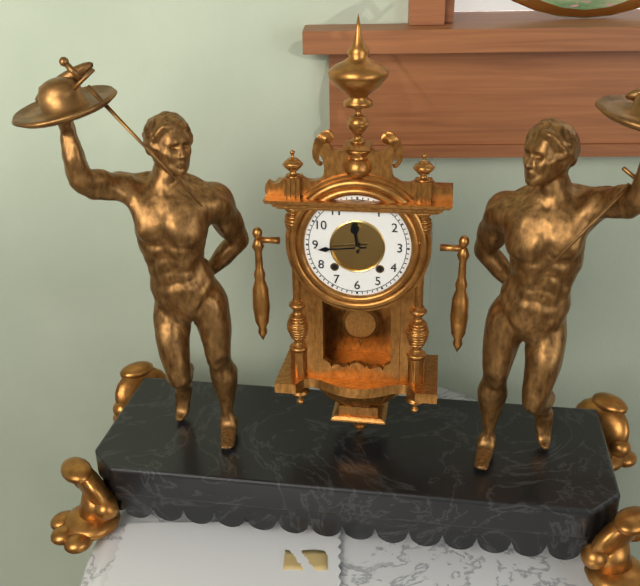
11:44
